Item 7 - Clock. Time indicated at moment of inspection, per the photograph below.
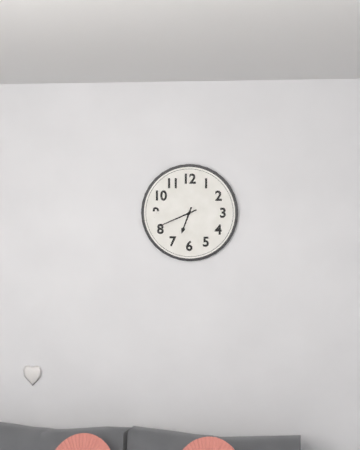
6:41
